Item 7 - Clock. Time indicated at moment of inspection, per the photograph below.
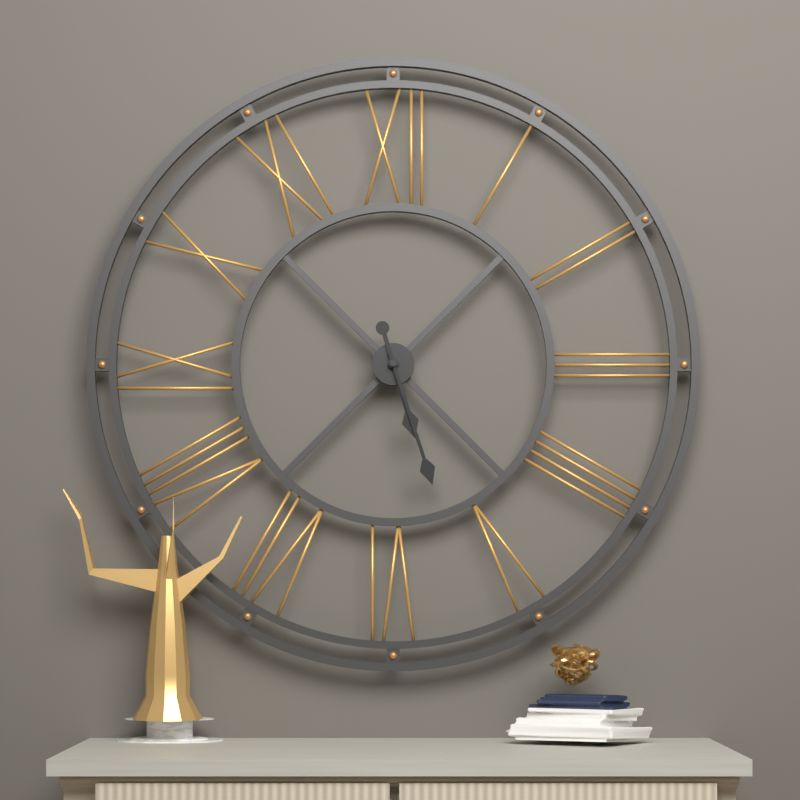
5:27
